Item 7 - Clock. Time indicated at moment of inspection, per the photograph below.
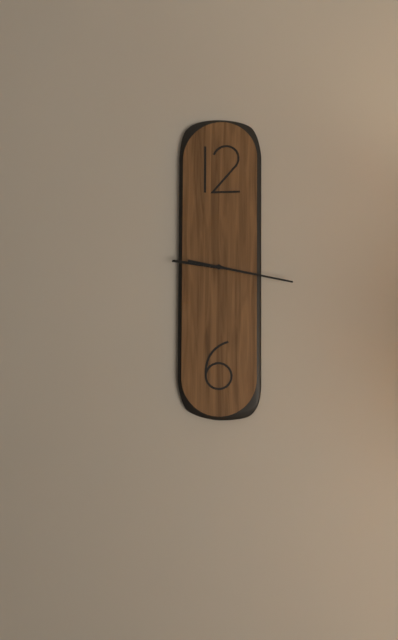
9:17
